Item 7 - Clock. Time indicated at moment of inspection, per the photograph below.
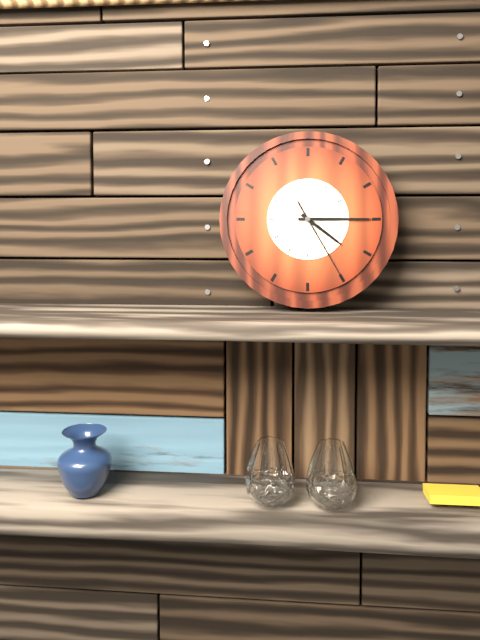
4:15:25
